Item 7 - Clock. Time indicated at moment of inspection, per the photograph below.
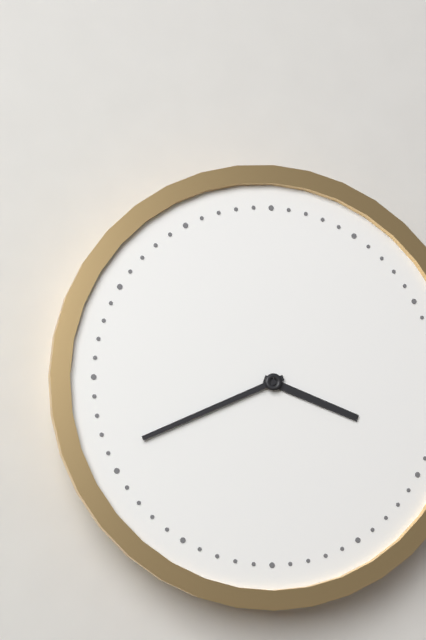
3:41
